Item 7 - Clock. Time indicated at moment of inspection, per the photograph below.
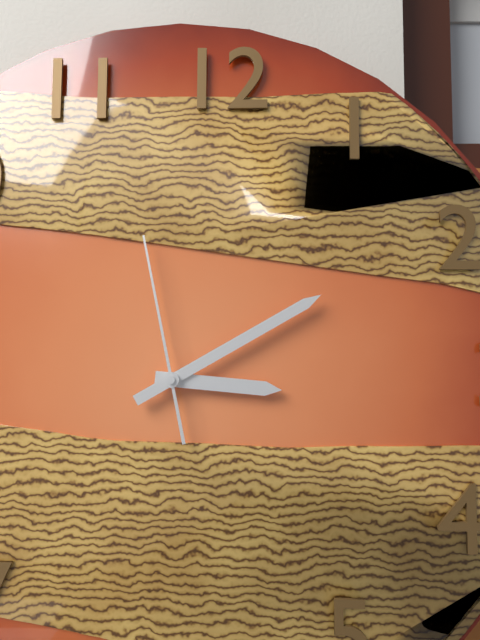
3:10:58
